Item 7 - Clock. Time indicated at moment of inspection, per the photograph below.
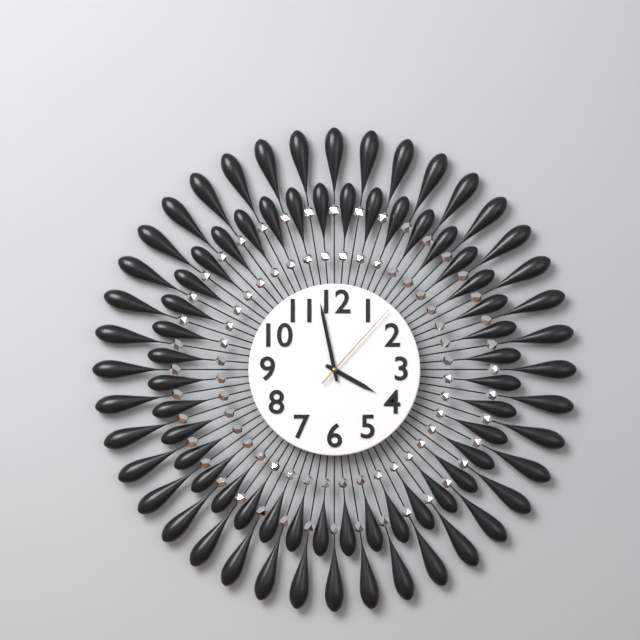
3:58:07
